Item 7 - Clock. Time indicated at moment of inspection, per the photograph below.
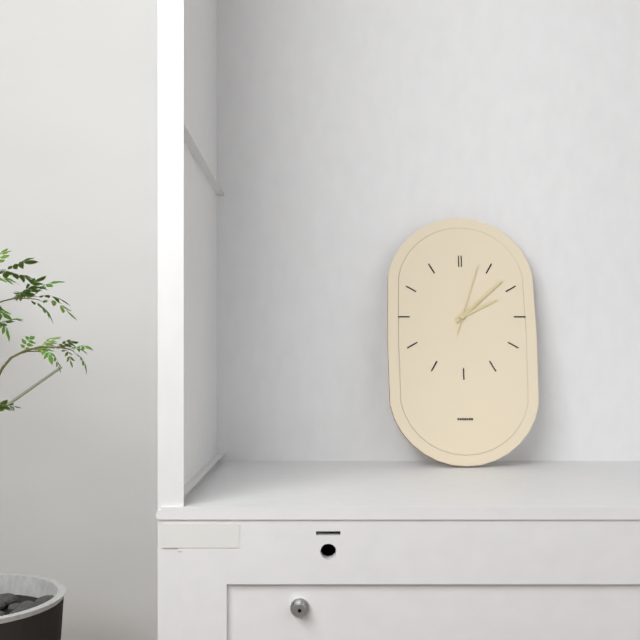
2:08:03
